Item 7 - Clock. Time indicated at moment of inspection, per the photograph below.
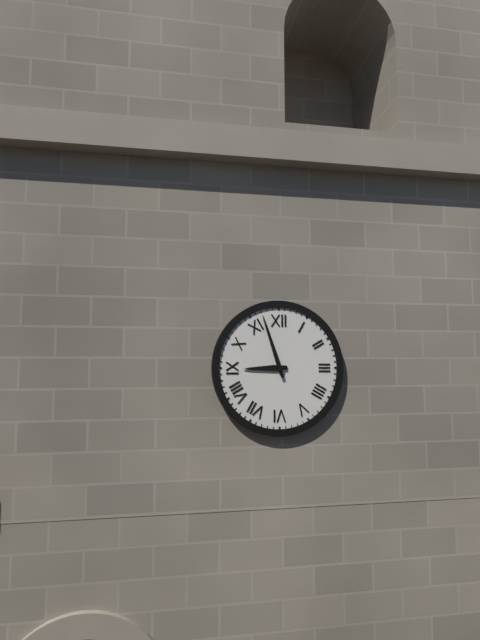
8:57
